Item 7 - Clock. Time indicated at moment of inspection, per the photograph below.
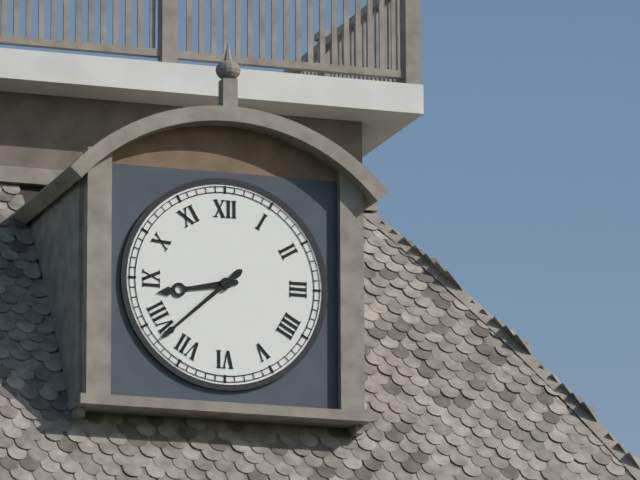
8:38
